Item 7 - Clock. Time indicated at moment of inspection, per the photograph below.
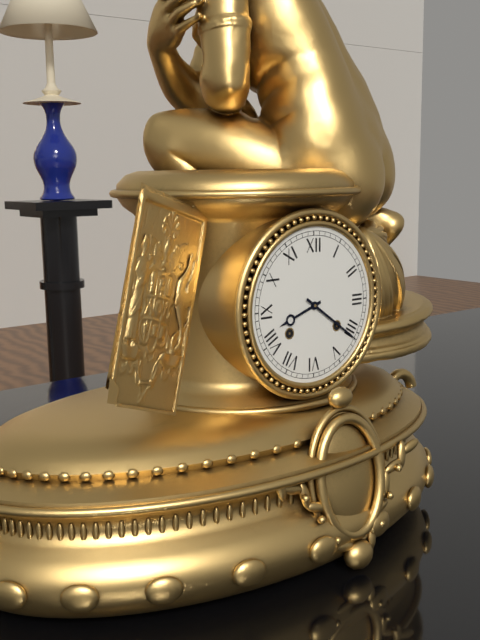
8:21
